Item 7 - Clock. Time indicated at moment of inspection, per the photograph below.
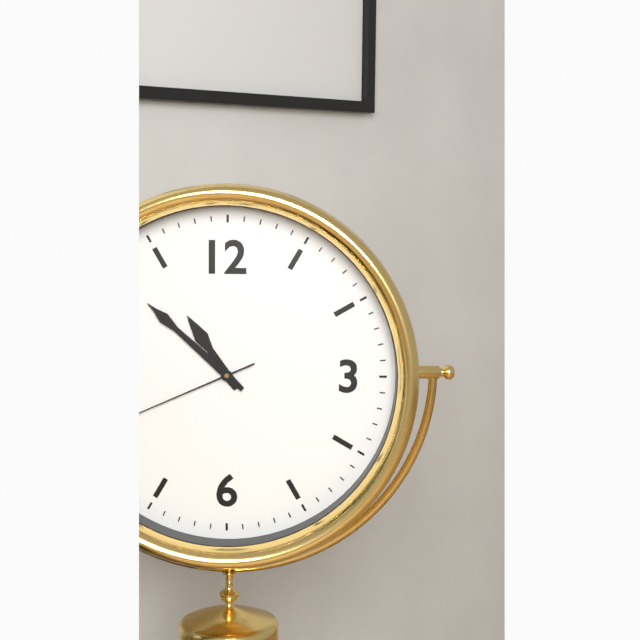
10:52
